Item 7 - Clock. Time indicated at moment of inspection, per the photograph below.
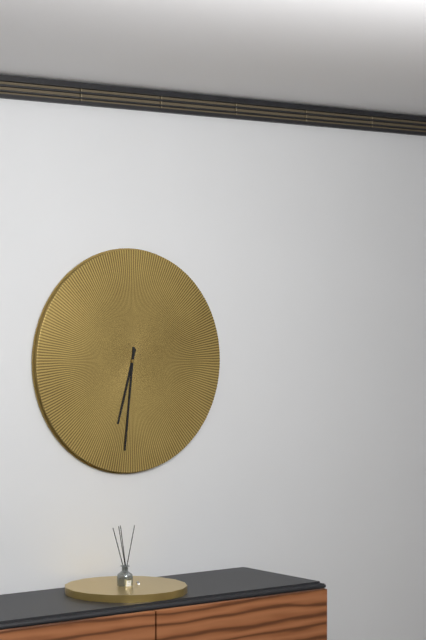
6:31
